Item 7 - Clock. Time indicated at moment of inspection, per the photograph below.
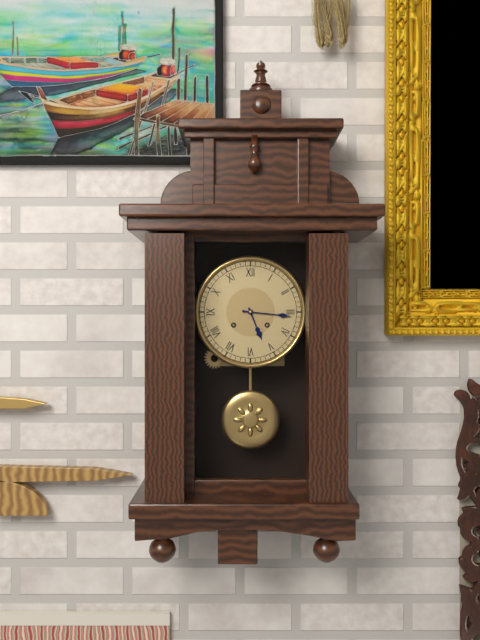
5:16
